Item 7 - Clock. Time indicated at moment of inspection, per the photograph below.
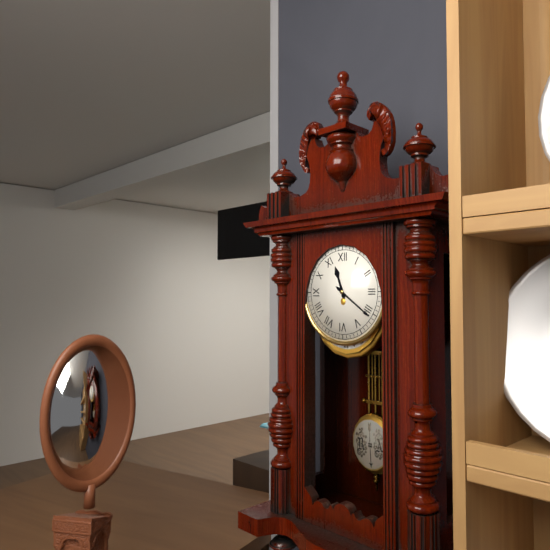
11:21
